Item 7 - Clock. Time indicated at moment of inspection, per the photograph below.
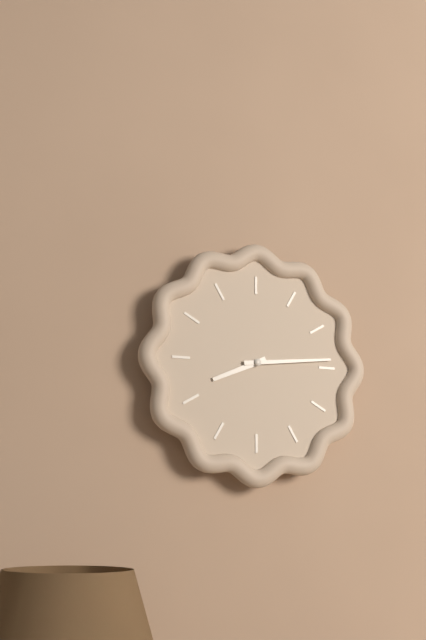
8:14
